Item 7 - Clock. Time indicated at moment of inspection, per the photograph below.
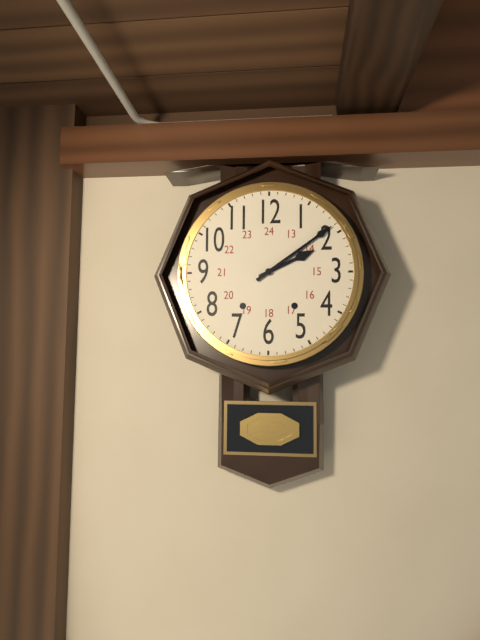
2:09
